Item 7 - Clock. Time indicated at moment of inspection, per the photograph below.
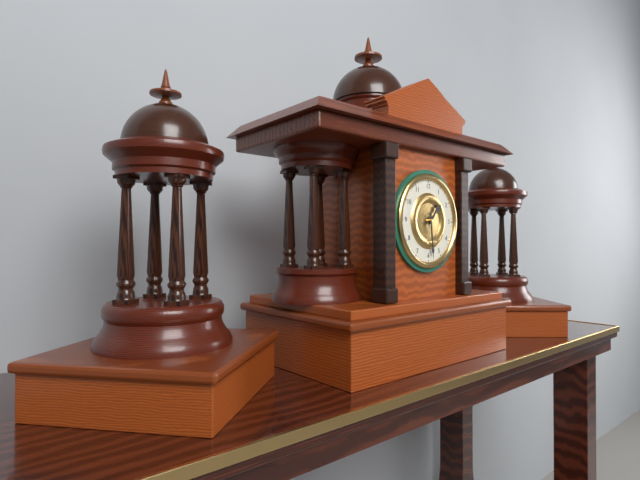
1:29
